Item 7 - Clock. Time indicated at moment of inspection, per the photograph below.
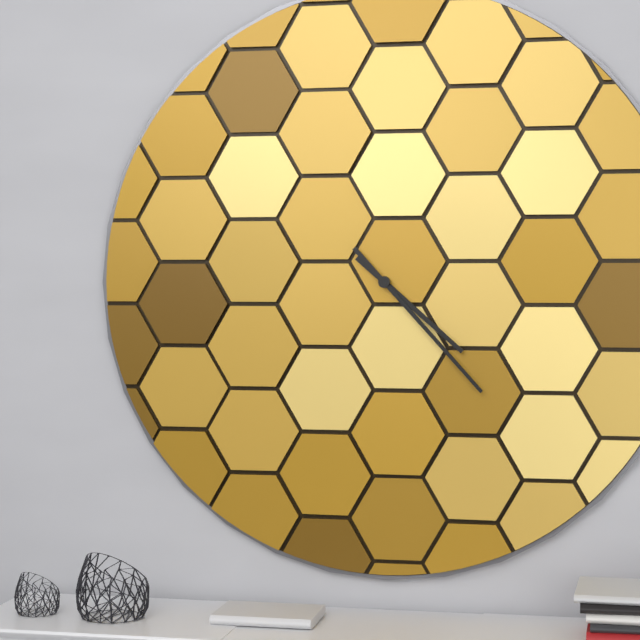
4:23
